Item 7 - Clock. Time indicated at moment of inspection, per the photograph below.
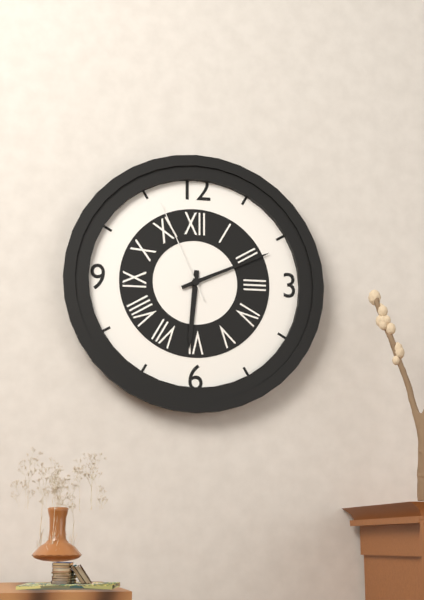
6:11:56
